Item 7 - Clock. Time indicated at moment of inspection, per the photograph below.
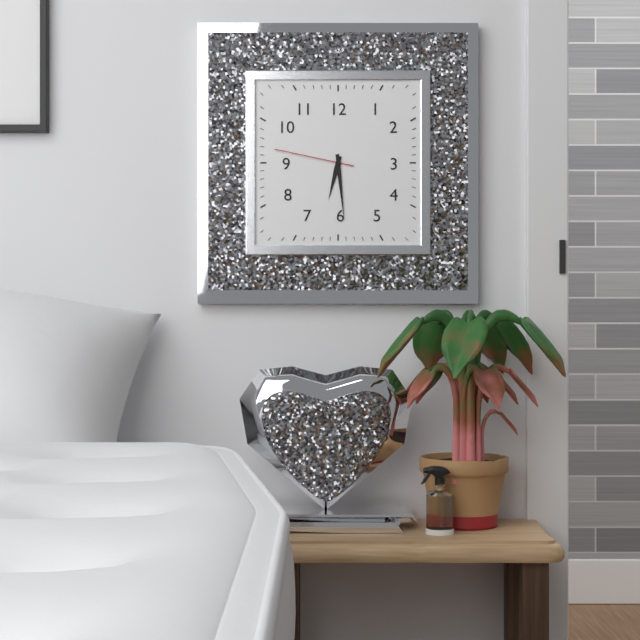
6:29:47
